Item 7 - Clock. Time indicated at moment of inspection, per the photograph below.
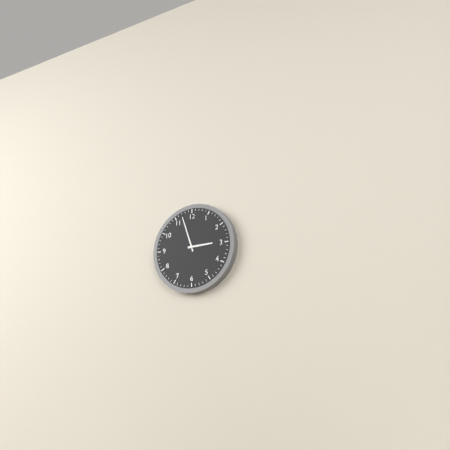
2:57
